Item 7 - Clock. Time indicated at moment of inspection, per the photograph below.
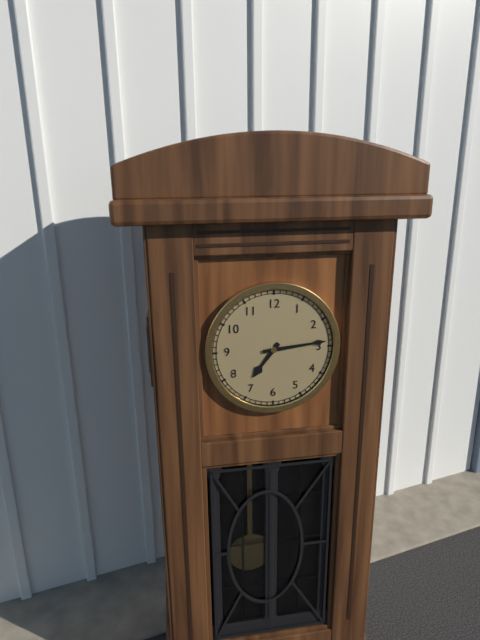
7:14
